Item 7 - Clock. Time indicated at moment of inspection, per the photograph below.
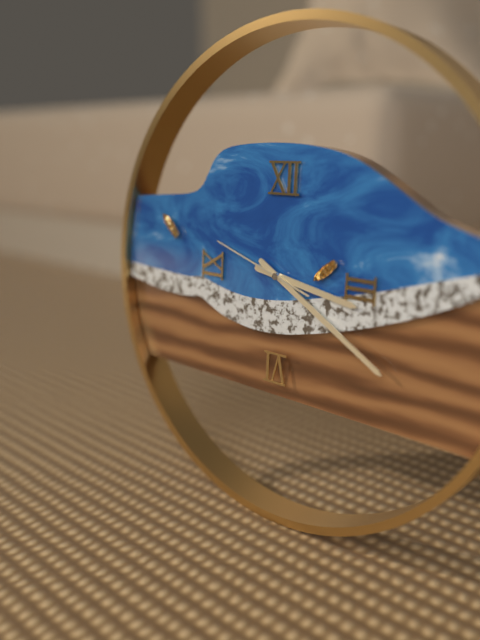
3:20:48
